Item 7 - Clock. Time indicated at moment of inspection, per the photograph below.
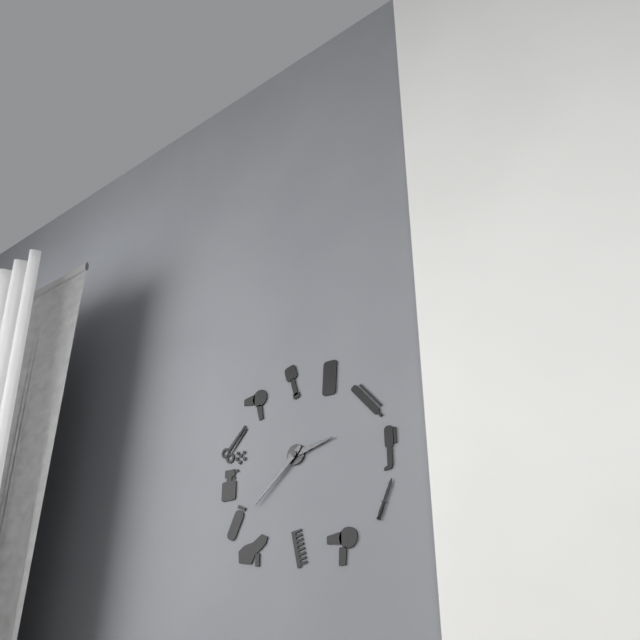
2:38
